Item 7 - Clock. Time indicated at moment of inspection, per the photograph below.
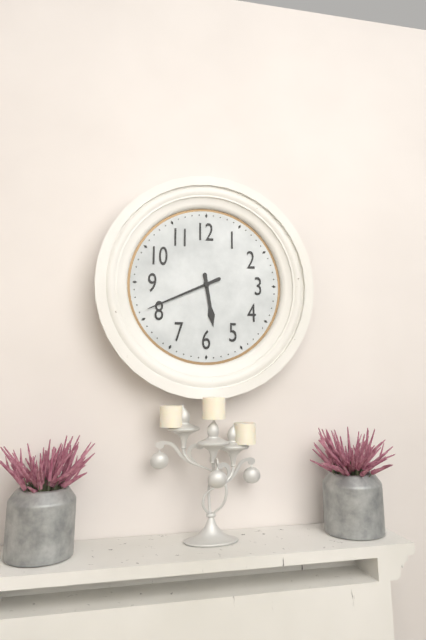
5:41
